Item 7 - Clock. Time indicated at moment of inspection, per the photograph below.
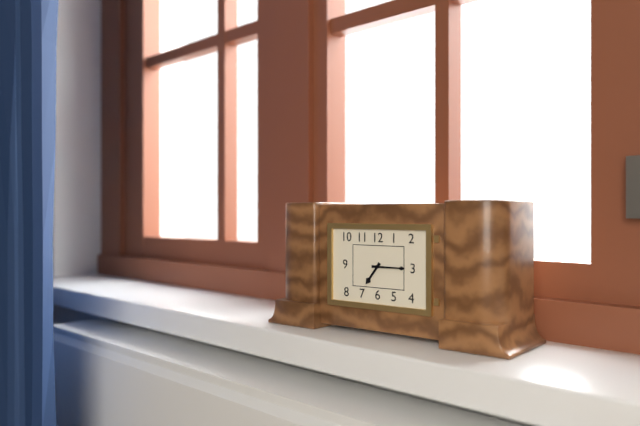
7:15
